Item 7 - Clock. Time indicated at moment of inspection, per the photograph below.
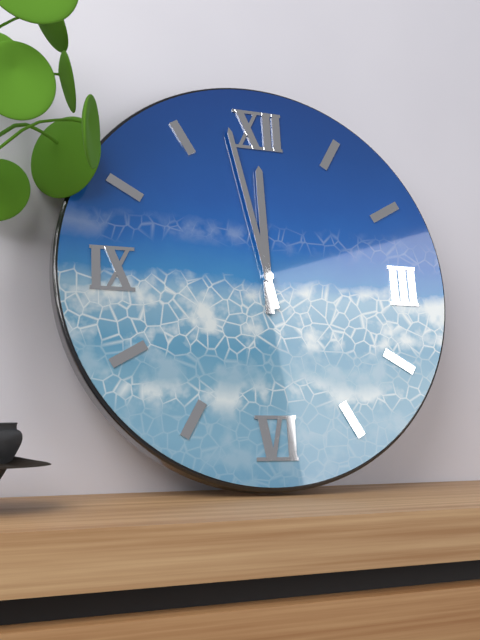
11:58
